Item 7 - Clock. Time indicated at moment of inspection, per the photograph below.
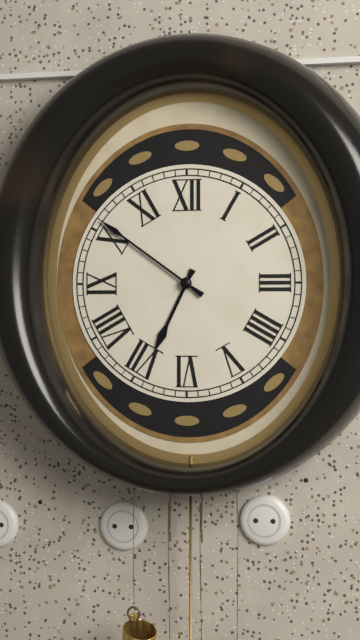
6:51
